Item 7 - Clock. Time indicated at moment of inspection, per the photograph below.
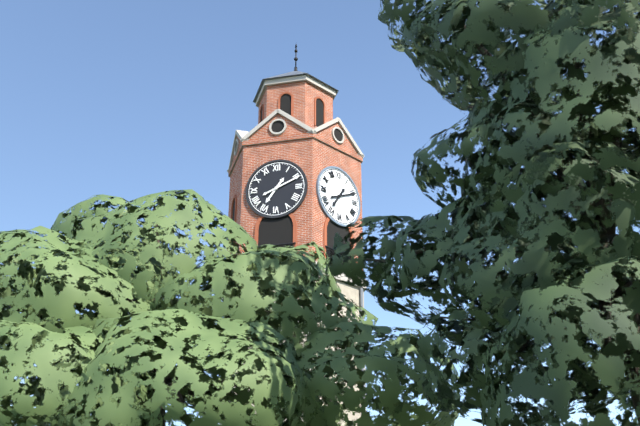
7:11
